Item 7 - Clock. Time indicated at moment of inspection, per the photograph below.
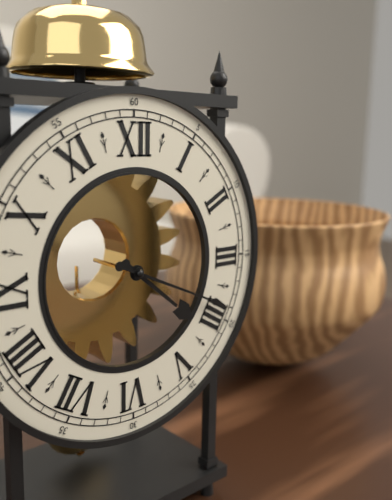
4:19
